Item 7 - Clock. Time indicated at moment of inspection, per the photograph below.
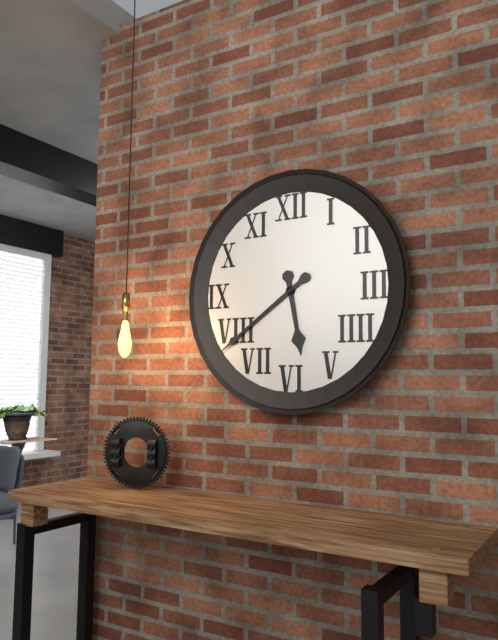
5:39
